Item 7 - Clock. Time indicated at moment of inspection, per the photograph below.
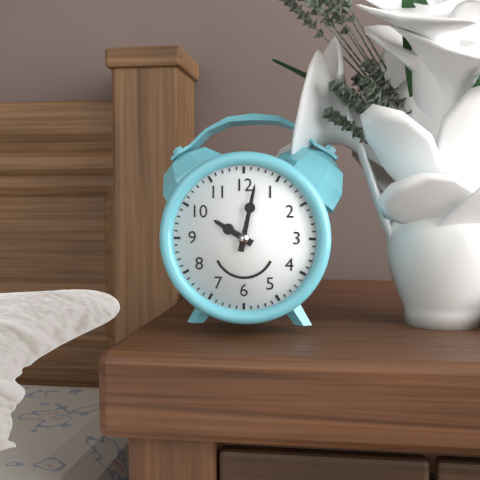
10:02
